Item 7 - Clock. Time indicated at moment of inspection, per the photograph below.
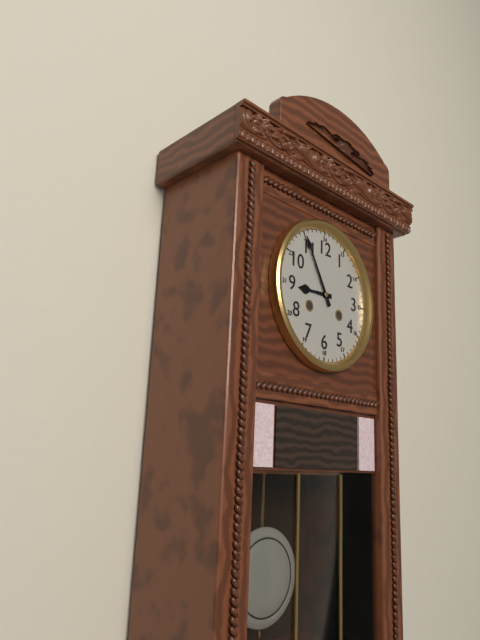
8:55
